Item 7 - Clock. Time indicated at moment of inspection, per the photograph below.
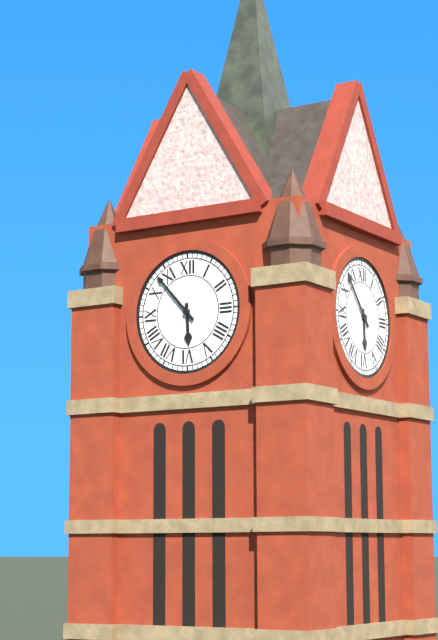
5:53
